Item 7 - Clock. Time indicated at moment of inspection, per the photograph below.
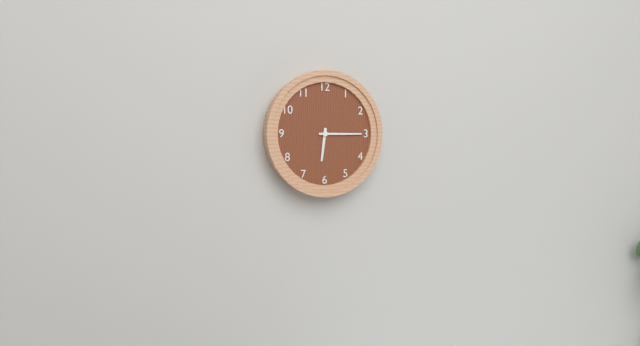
6:15
